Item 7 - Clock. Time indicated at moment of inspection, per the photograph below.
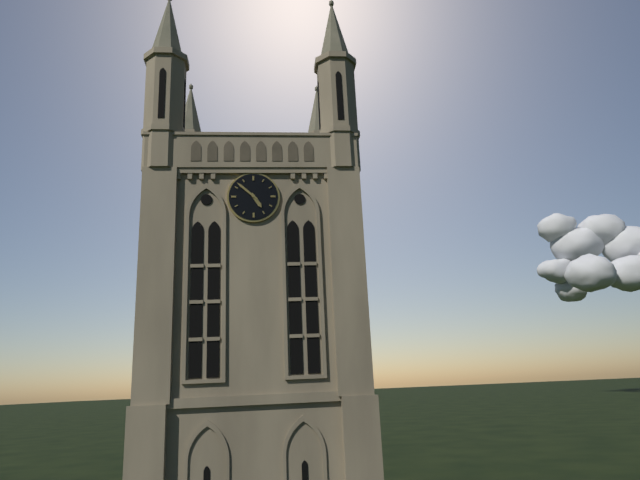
4:52
